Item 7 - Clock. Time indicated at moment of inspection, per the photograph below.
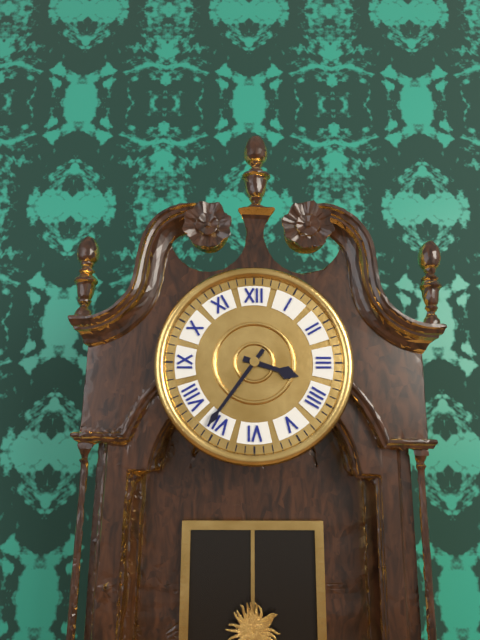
3:36
